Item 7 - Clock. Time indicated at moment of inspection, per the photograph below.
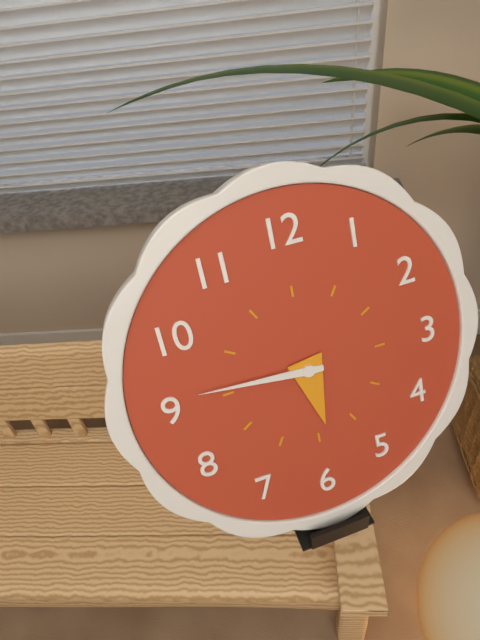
5:46
